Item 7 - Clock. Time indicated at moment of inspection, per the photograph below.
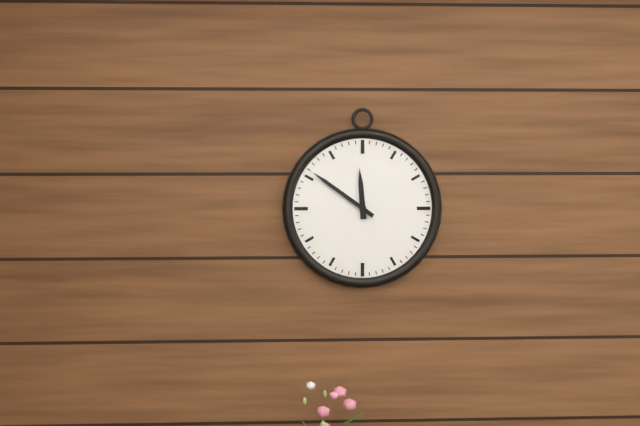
11:51
